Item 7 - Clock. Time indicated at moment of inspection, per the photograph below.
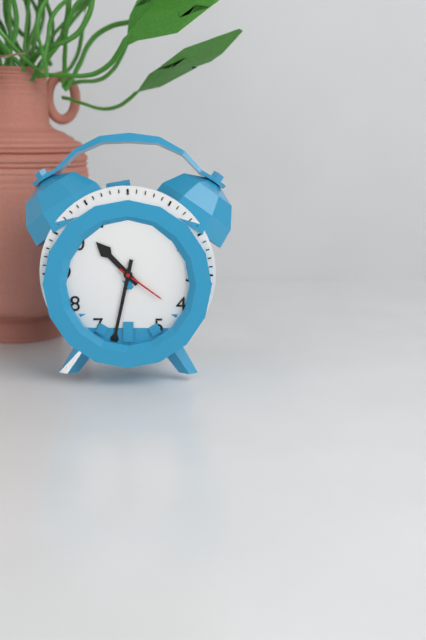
10:32:21
